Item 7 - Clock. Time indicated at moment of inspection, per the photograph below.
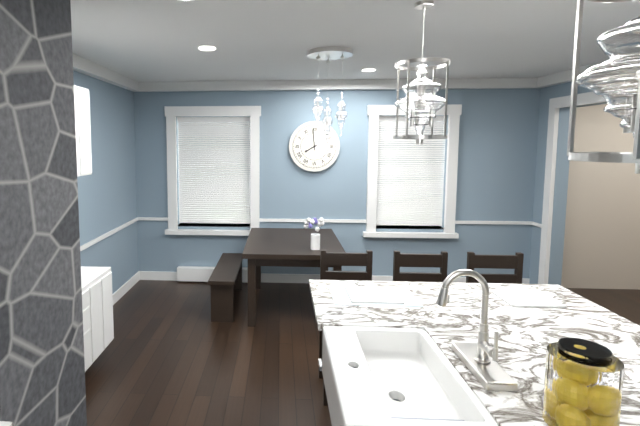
7:59
